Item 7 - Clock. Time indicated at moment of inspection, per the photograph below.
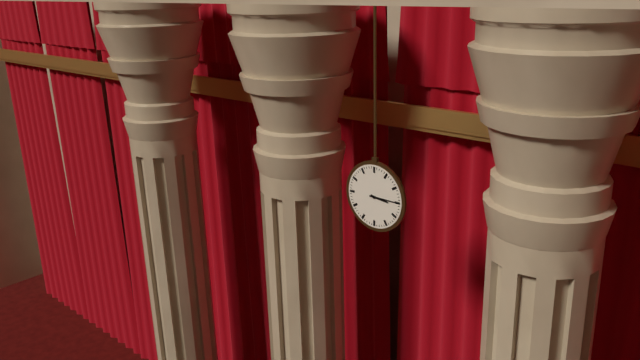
3:15
